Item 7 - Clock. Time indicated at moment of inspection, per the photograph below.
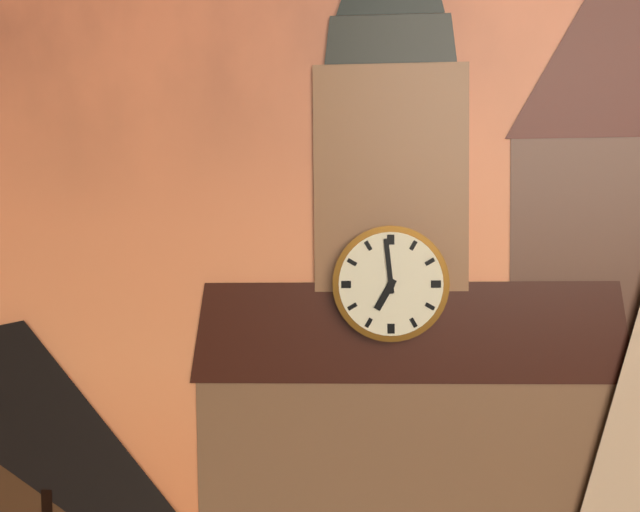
6:59
